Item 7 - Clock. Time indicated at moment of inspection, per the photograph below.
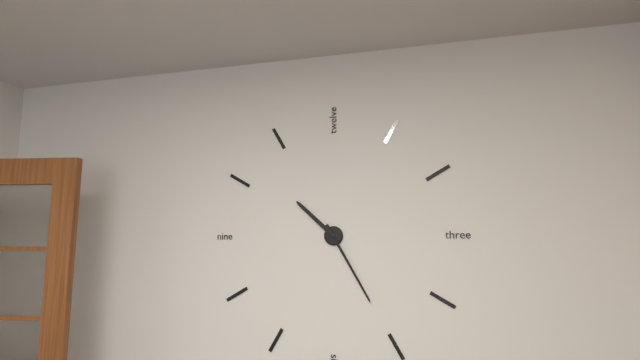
10:25
